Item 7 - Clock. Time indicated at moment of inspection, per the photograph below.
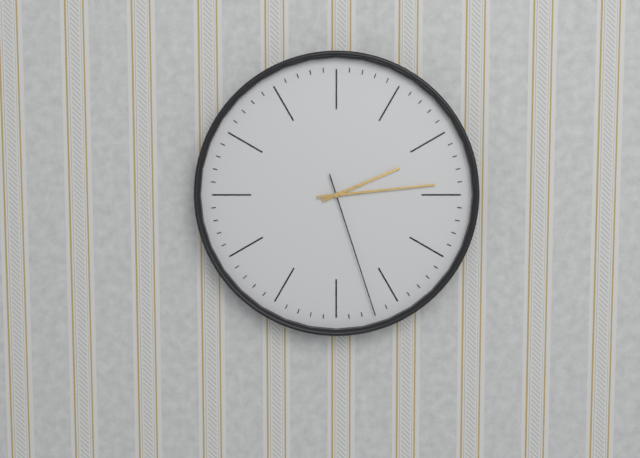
2:14:27
